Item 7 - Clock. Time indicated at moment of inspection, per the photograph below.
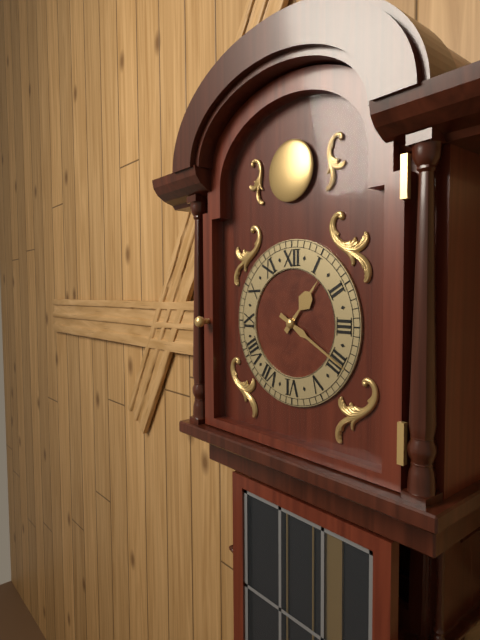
1:20
